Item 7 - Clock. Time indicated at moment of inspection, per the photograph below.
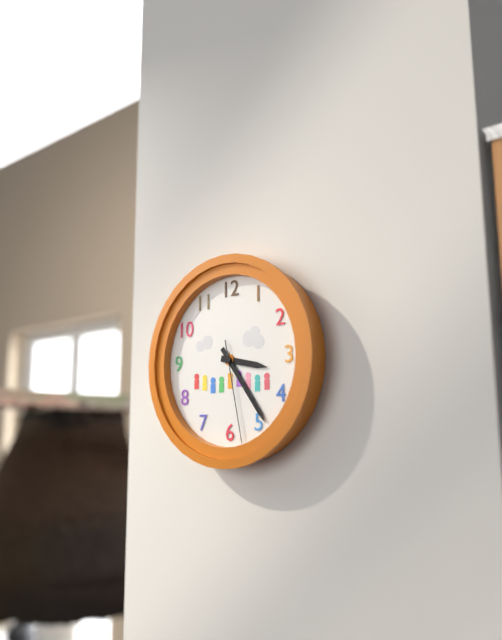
3:24:28
